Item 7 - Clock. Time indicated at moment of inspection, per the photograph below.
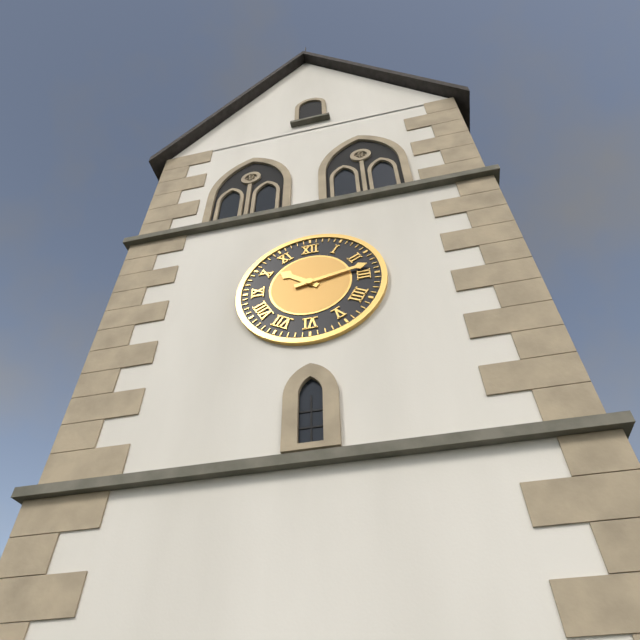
10:13
